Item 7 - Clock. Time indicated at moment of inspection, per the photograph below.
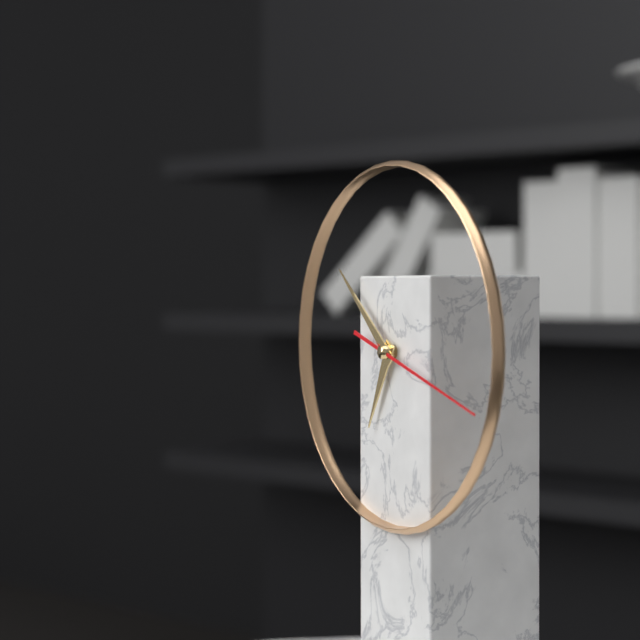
6:52:18
